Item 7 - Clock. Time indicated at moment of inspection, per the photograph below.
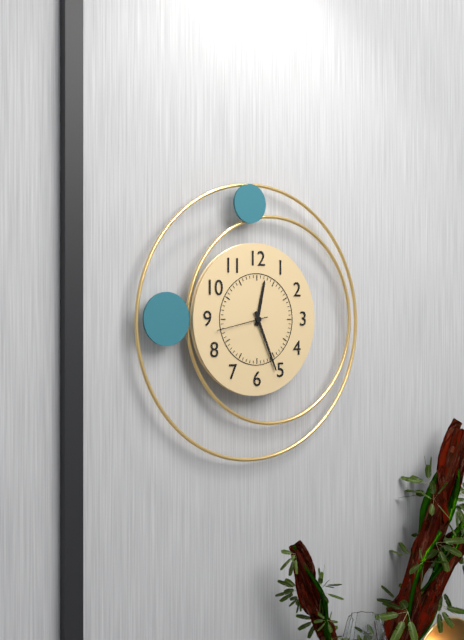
12:26:43
